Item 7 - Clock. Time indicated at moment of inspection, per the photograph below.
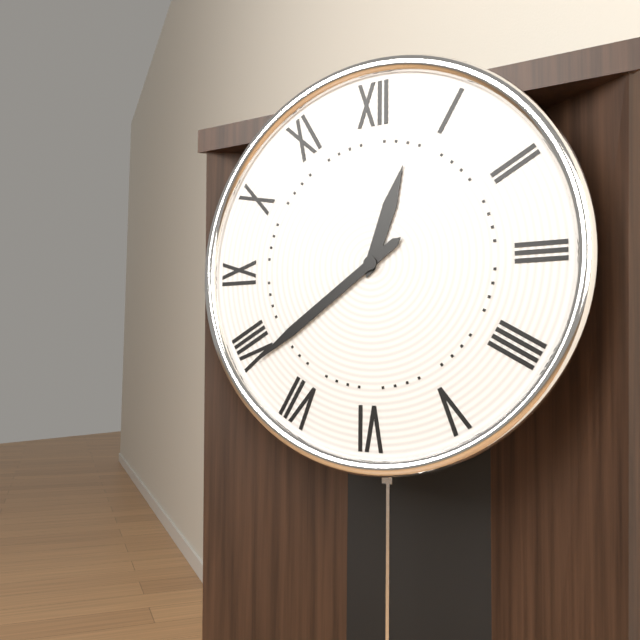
12:39
